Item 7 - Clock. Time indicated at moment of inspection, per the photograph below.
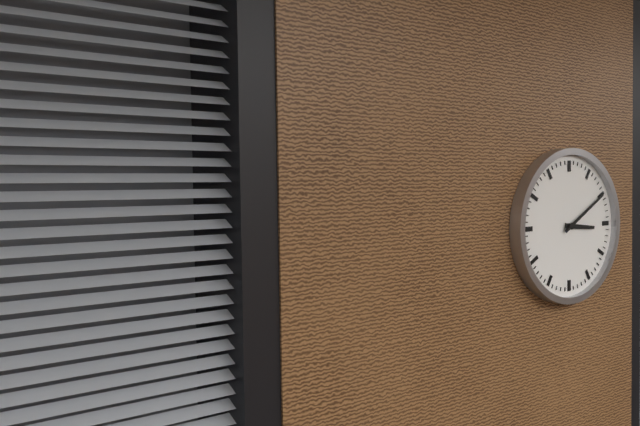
3:10
